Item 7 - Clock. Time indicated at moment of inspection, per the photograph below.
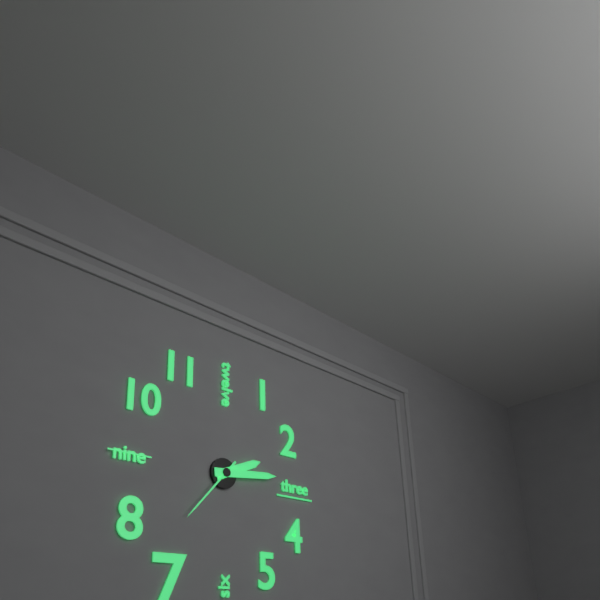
2:14:37
